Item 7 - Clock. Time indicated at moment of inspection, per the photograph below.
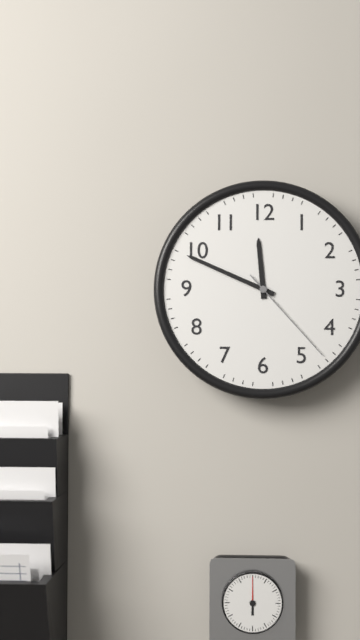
11:49:23
